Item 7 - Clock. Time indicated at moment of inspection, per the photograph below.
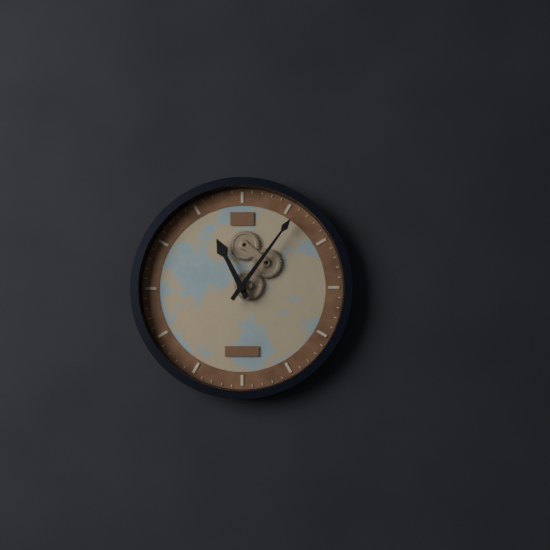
11:06
